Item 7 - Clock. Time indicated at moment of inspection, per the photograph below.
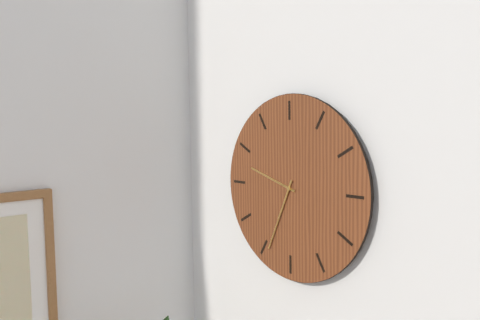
9:34
